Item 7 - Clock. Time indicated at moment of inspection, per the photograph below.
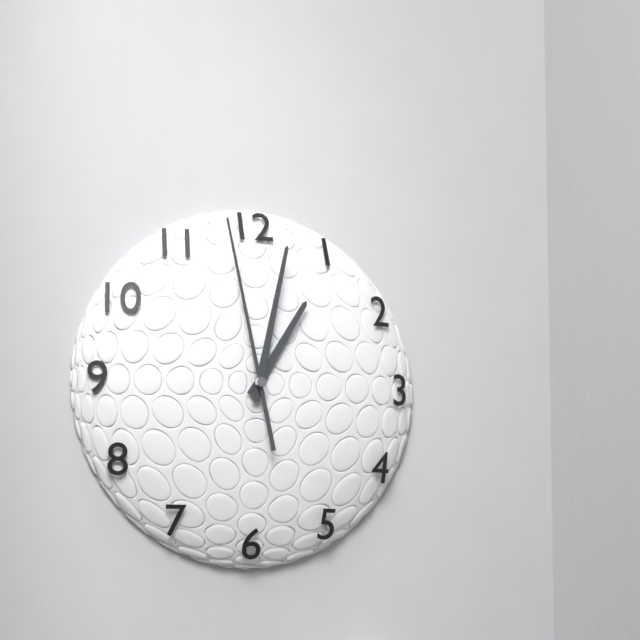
1:02:58
